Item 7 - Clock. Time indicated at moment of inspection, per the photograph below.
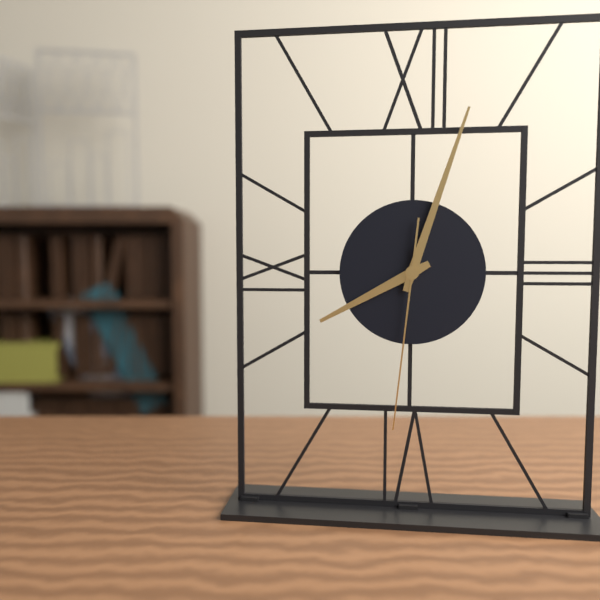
8:03:31
